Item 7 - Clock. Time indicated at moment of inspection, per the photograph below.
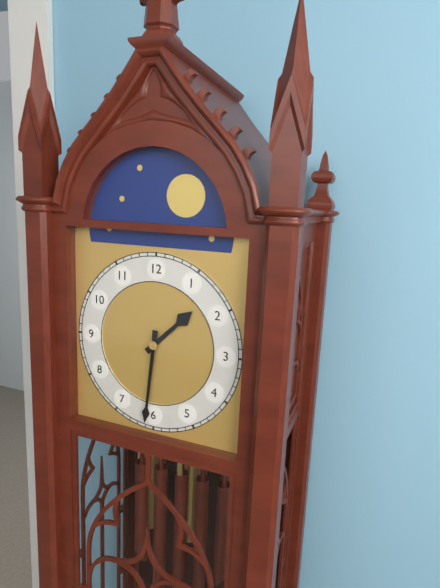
1:31
